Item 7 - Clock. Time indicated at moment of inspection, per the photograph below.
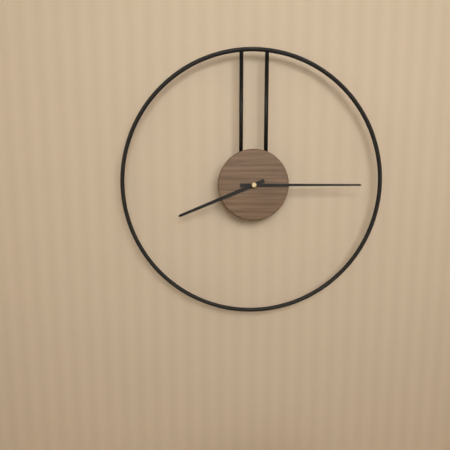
8:15
